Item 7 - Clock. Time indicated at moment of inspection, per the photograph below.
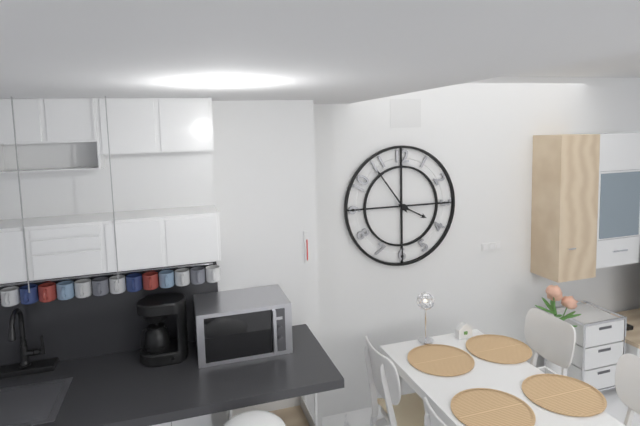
3:54
